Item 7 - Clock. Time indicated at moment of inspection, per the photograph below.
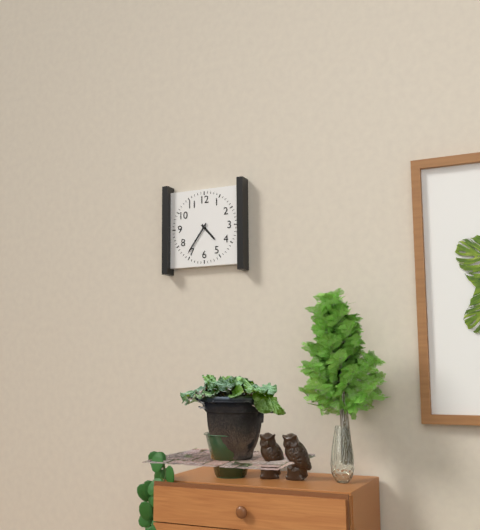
4:36
